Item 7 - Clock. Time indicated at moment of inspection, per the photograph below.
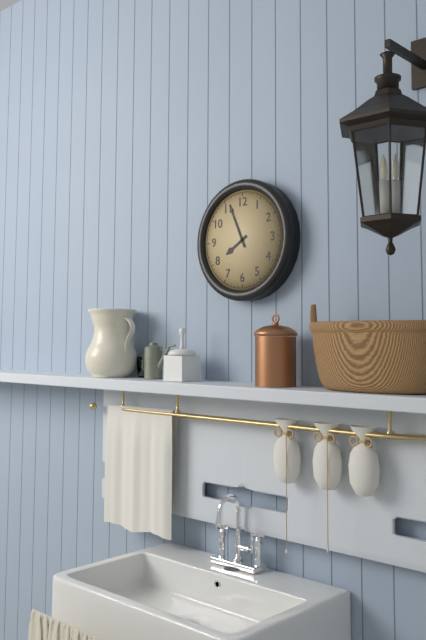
7:56
